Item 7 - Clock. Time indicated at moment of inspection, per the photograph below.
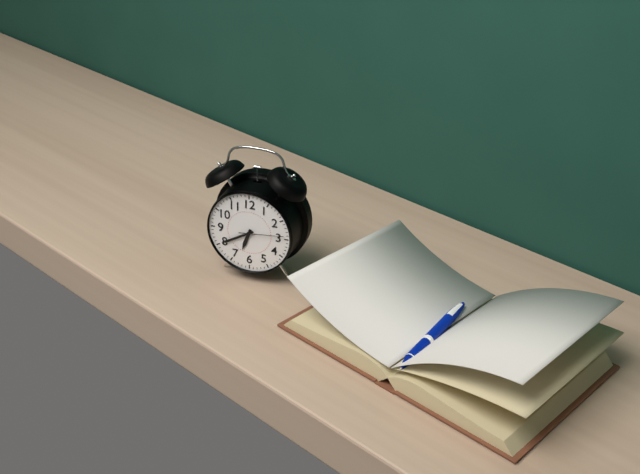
6:40
